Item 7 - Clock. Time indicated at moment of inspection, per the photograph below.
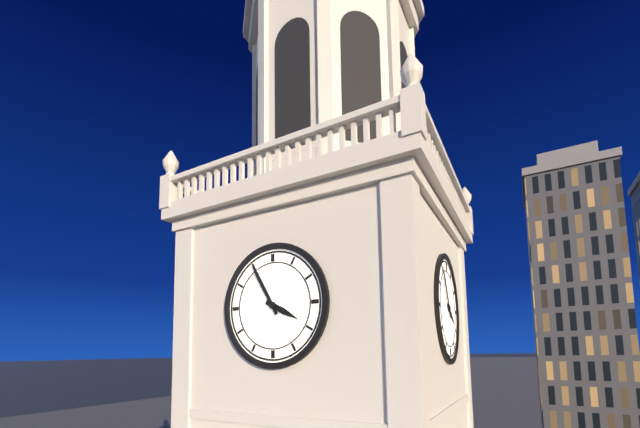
3:55
